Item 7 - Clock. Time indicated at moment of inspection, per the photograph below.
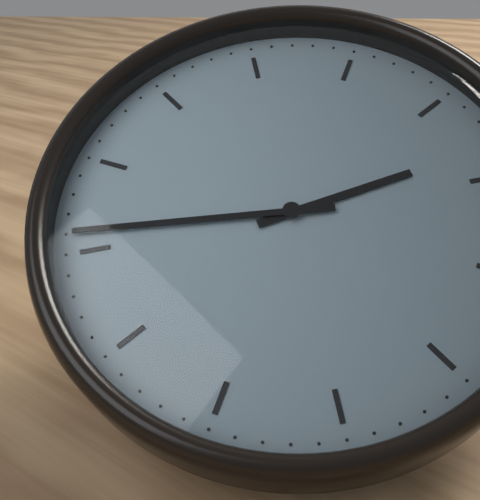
1:41
